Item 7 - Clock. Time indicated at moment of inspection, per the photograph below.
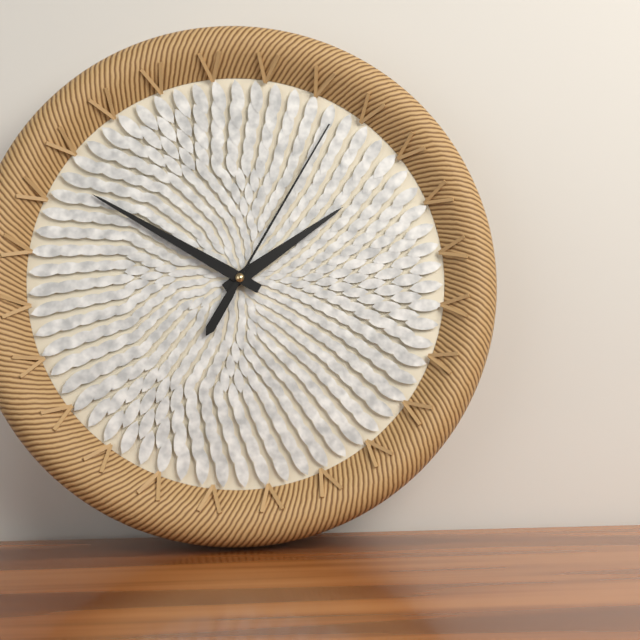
1:50:05
